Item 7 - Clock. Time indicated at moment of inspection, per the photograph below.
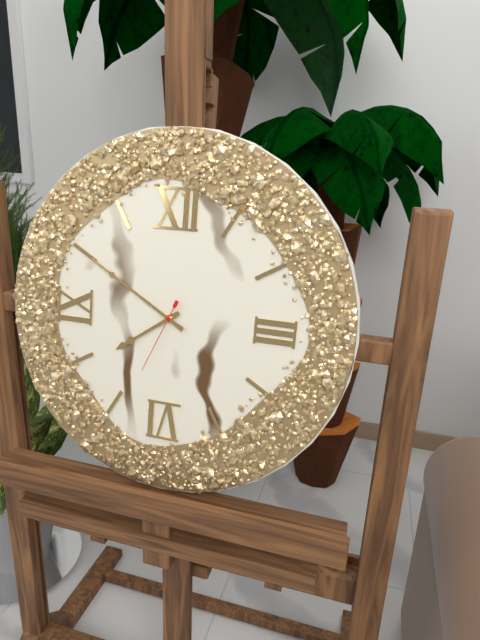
7:50:34
